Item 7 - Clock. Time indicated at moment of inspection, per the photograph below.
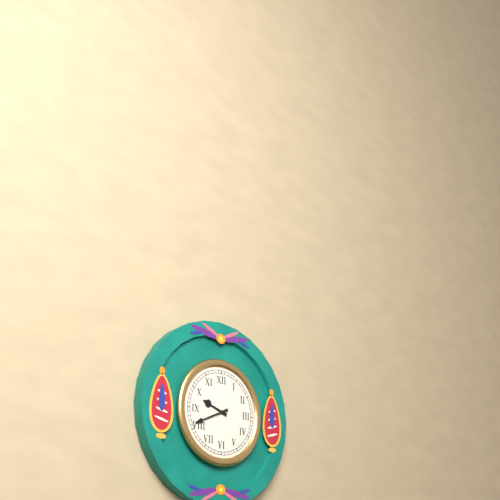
9:41
